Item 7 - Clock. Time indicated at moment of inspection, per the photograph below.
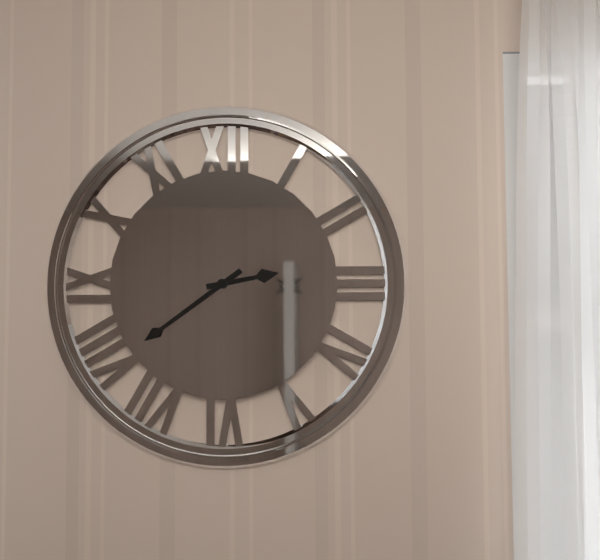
2:39
